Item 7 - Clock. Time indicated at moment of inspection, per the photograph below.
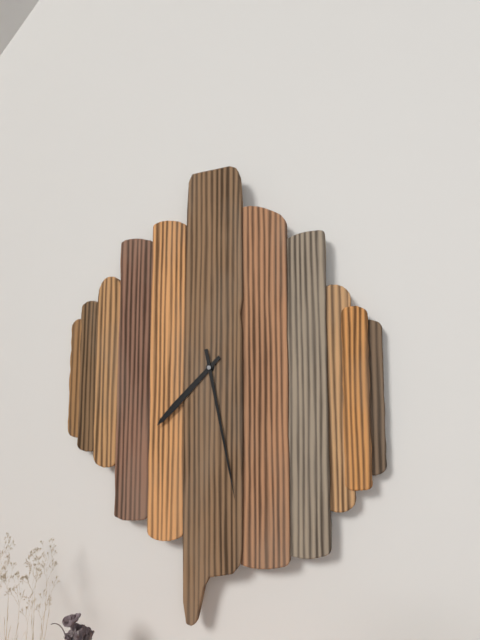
7:28
